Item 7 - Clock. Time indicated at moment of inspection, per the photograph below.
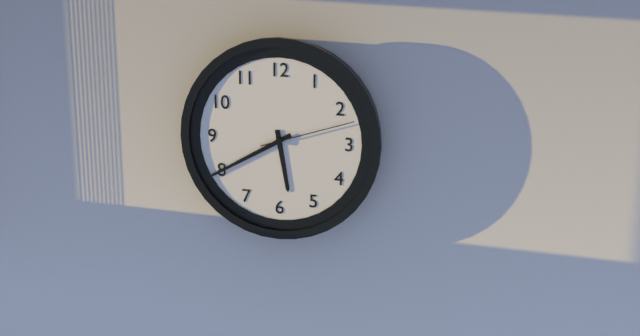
5:40:12
